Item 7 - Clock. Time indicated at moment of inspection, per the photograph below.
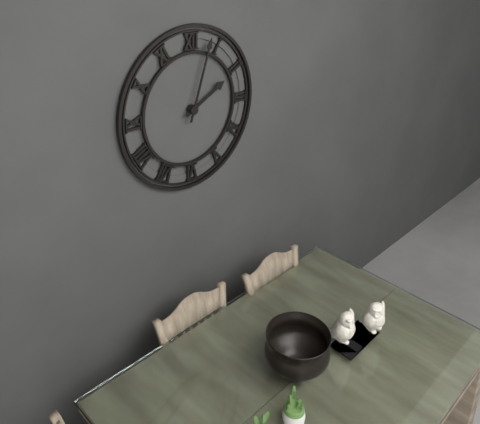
2:03
